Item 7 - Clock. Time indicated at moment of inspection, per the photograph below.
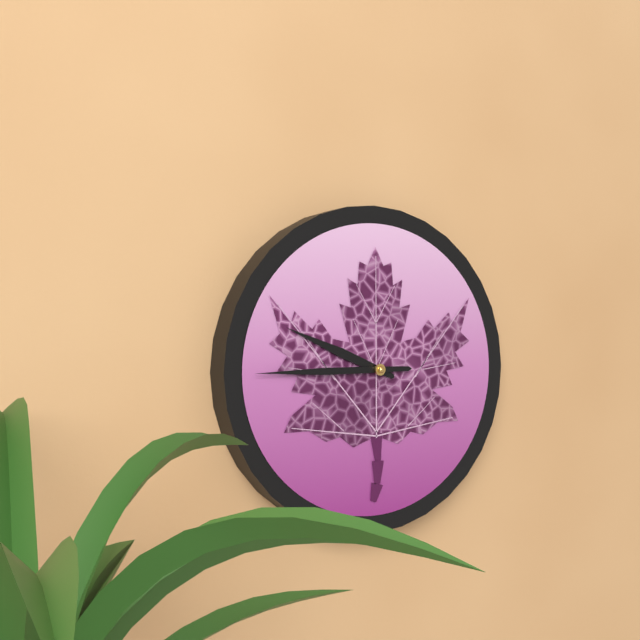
9:45
